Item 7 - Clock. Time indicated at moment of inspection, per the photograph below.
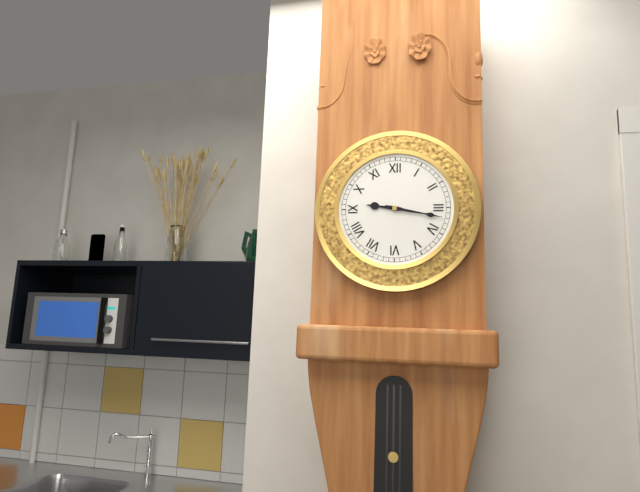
9:17
